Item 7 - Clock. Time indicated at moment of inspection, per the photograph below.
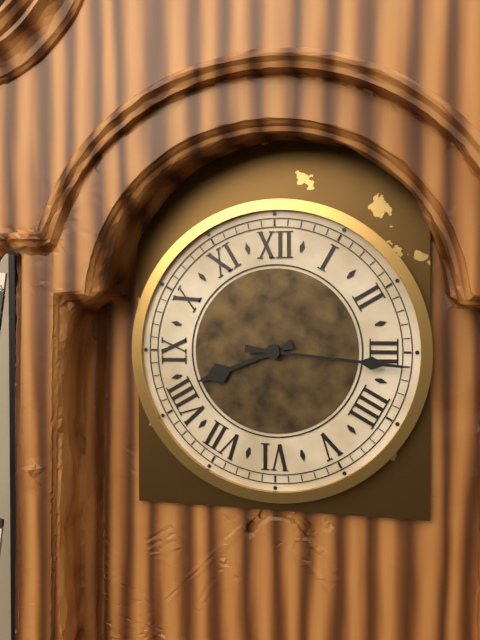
8:16
